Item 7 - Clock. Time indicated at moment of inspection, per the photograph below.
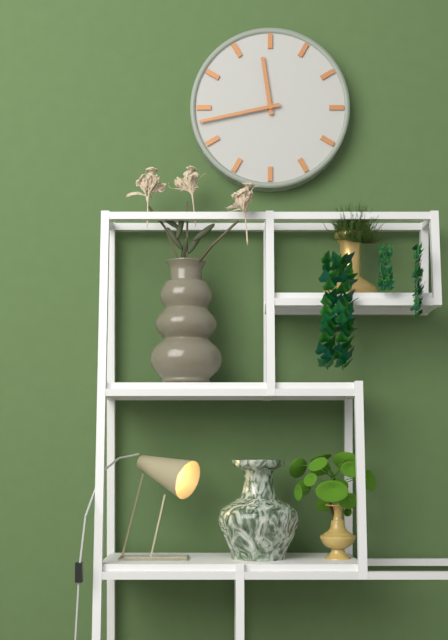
11:43
